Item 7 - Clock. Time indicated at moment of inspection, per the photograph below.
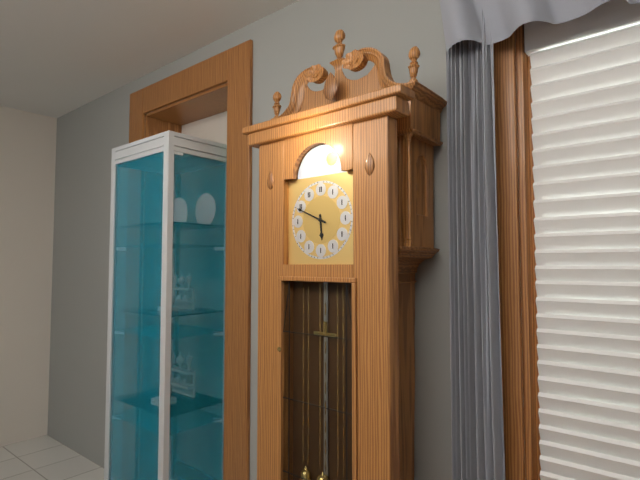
5:49
